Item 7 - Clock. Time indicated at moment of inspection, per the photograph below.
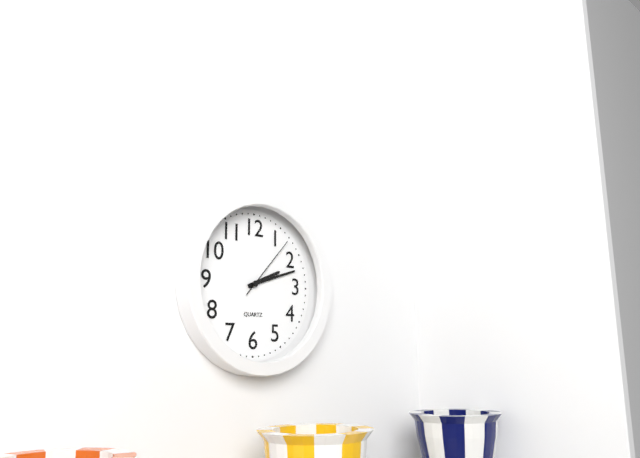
2:12:07
